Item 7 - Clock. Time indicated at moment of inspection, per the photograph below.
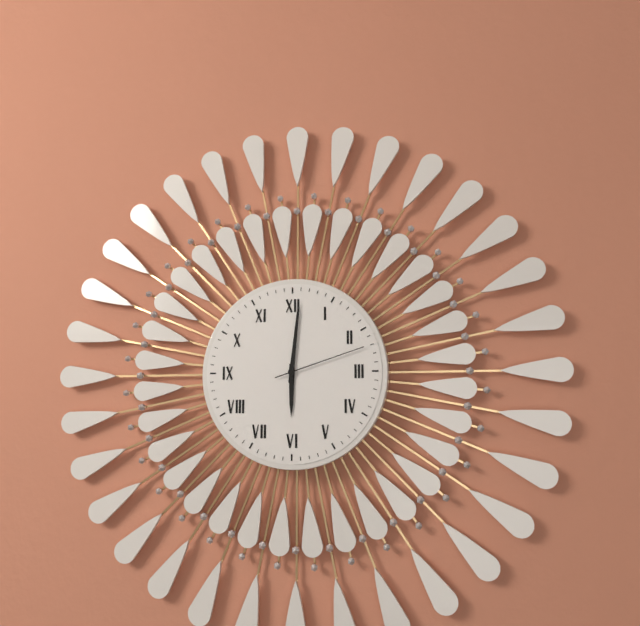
6:01:12
